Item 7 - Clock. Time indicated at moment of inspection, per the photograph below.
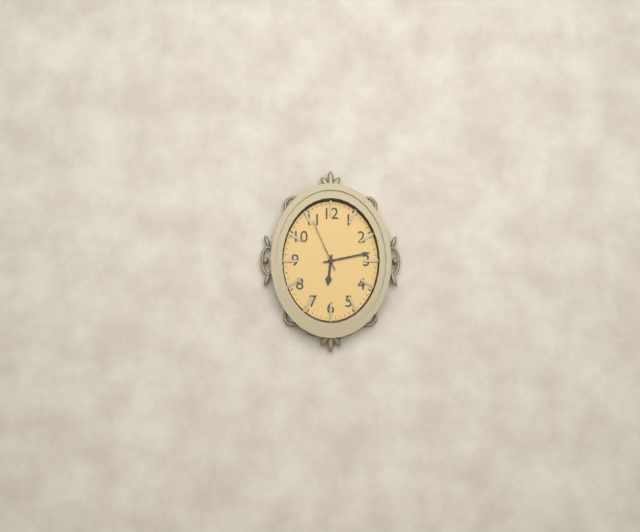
6:13:56
